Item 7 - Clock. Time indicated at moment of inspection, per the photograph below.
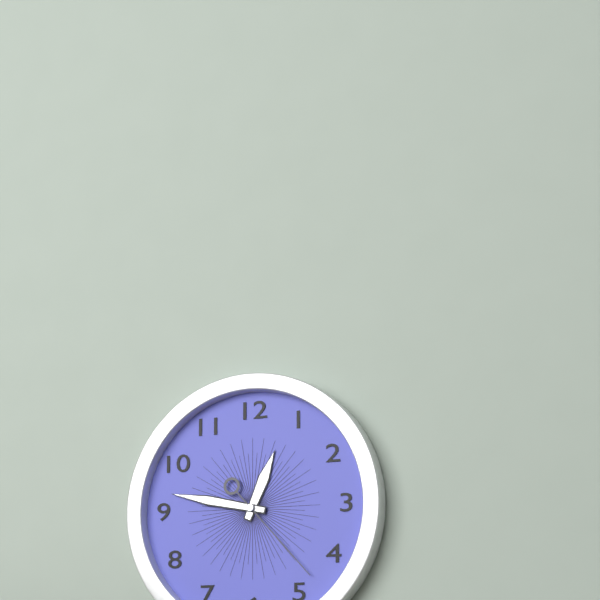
12:47:23
